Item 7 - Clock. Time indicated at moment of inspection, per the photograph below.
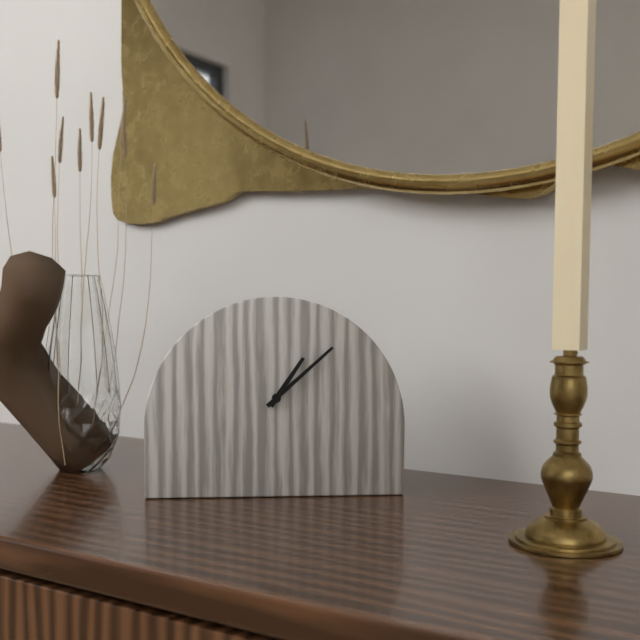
1:08
